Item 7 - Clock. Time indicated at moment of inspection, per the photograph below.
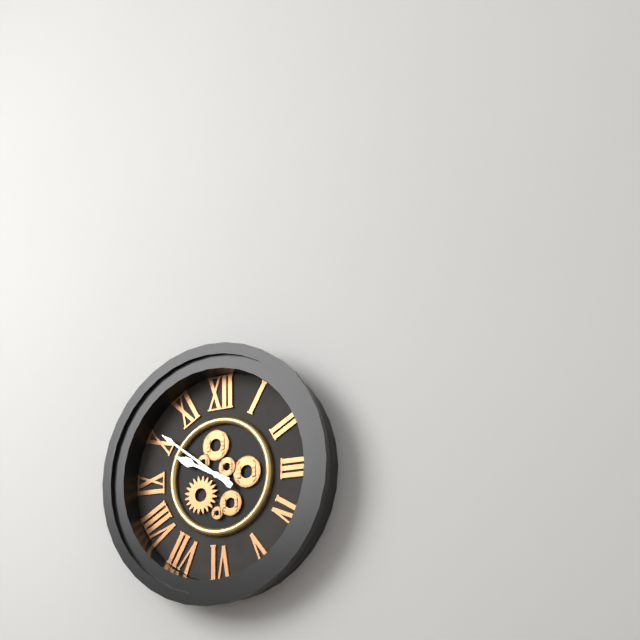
9:51
